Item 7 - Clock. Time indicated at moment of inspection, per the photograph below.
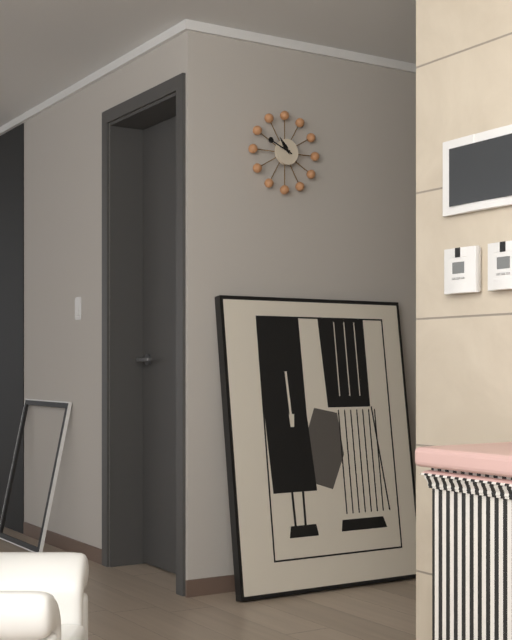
10:49
